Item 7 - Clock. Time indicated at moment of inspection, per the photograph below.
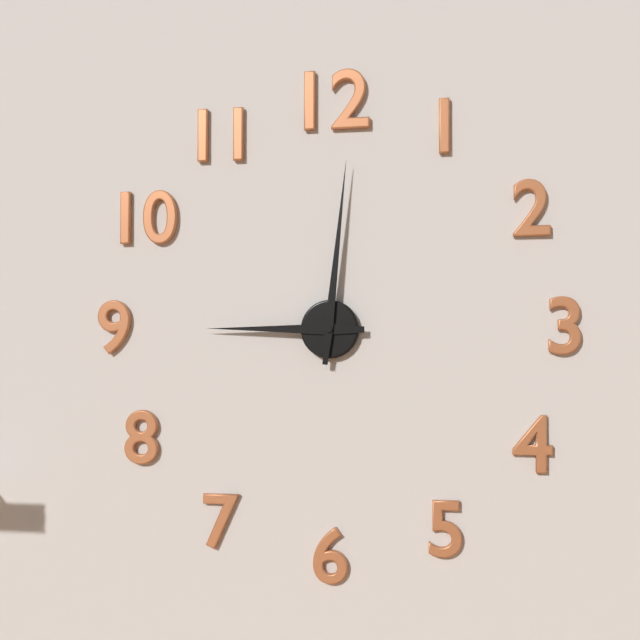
9:01
